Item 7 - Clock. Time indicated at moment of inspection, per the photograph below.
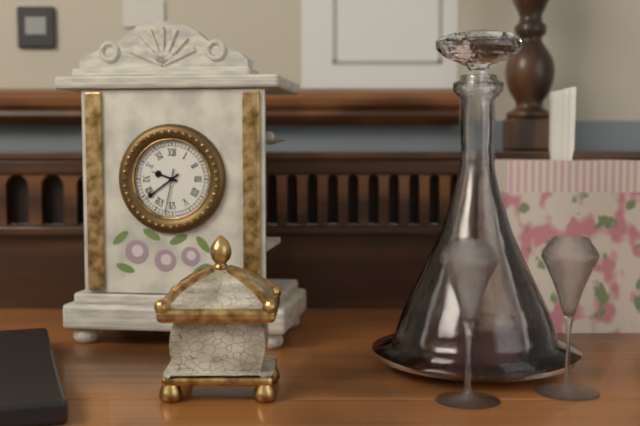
9:39
